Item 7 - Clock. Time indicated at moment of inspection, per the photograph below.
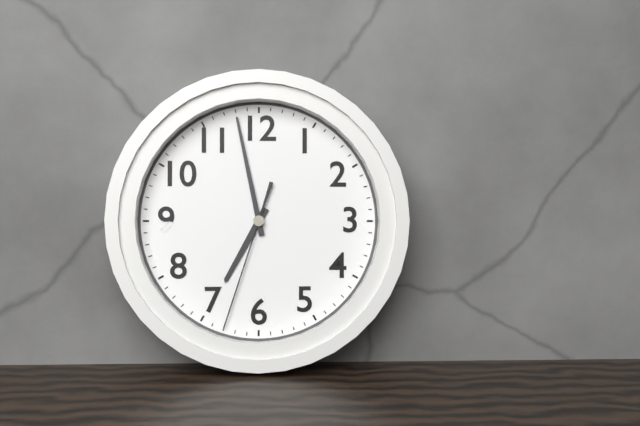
6:58:33
